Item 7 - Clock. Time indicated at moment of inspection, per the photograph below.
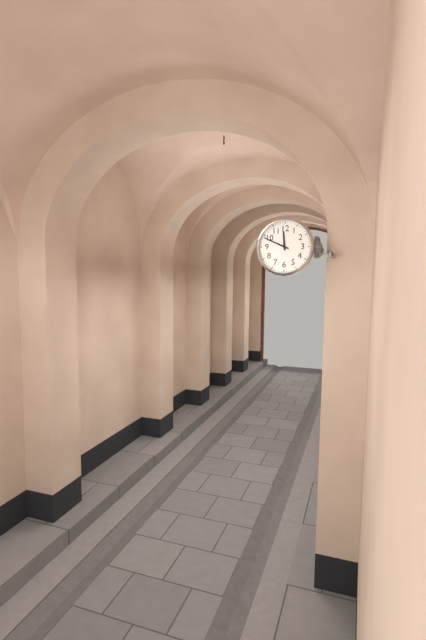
11:49
